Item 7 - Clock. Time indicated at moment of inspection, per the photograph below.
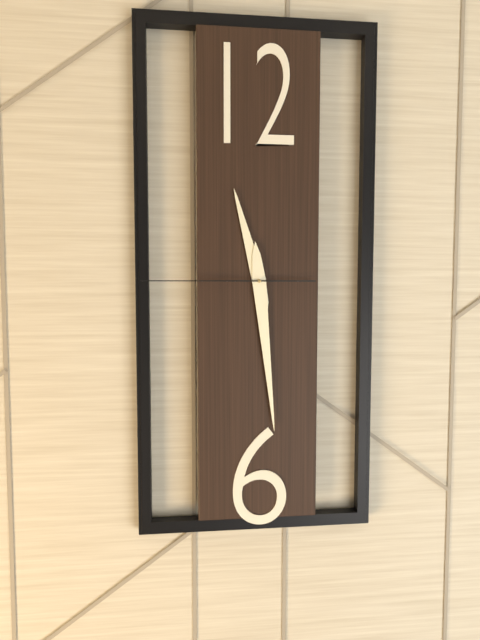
11:29:45
